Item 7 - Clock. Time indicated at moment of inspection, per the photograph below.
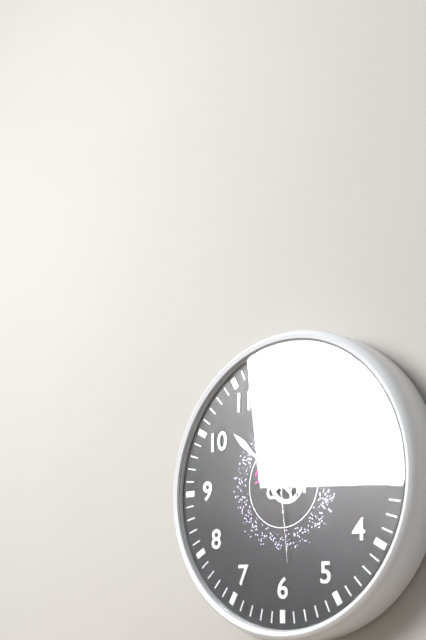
1:52:29
